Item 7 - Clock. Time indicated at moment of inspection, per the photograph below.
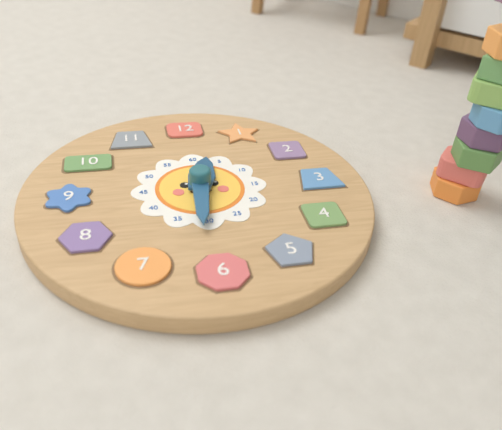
12:31
